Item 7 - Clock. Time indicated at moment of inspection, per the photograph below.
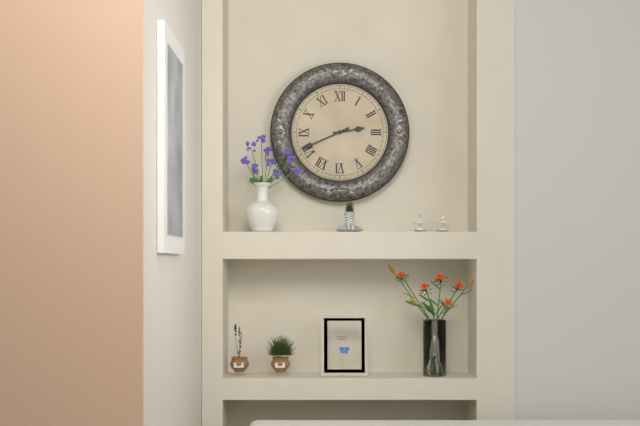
2:41
